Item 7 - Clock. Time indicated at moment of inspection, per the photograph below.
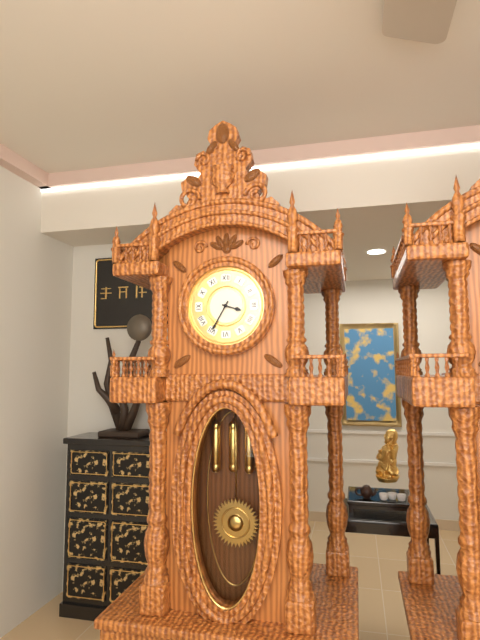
3:35
